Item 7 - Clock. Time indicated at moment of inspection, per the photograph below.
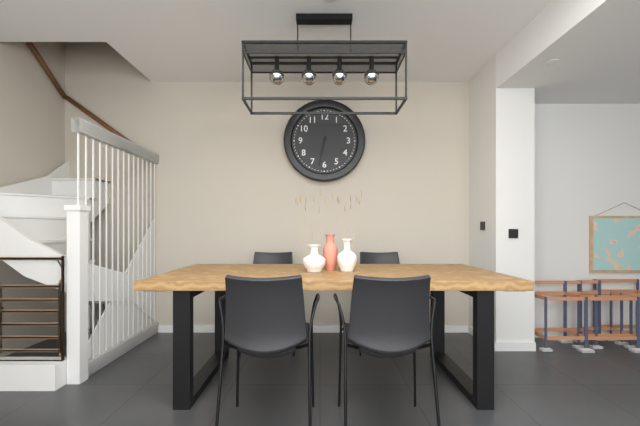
6:32
